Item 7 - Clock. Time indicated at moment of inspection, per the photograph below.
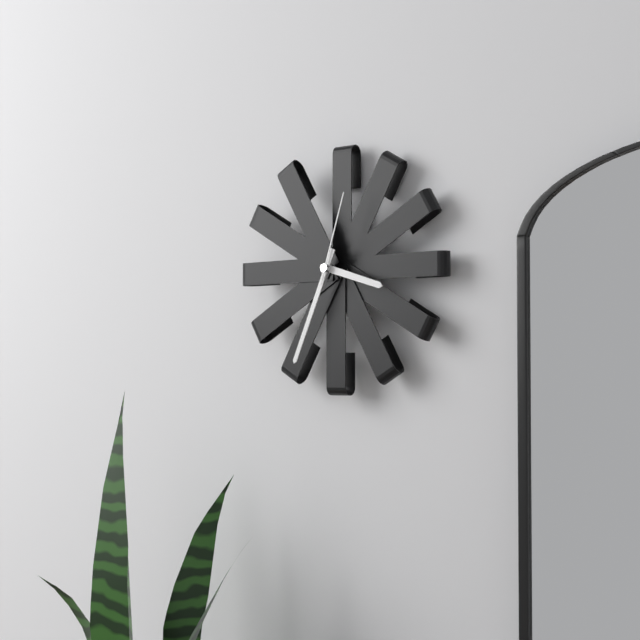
3:34:03
